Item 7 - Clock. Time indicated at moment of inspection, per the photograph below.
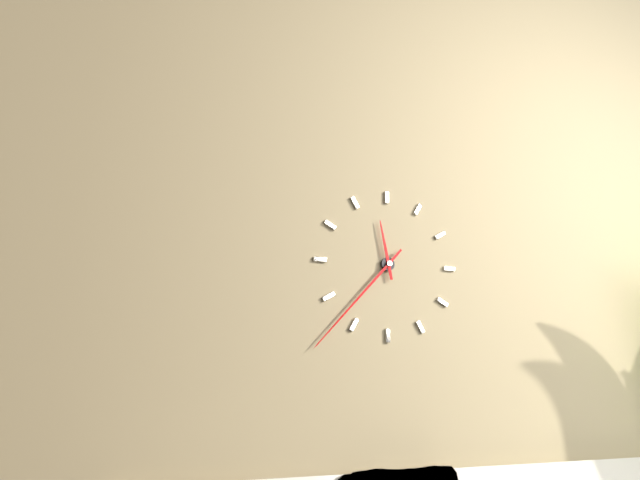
11:37
